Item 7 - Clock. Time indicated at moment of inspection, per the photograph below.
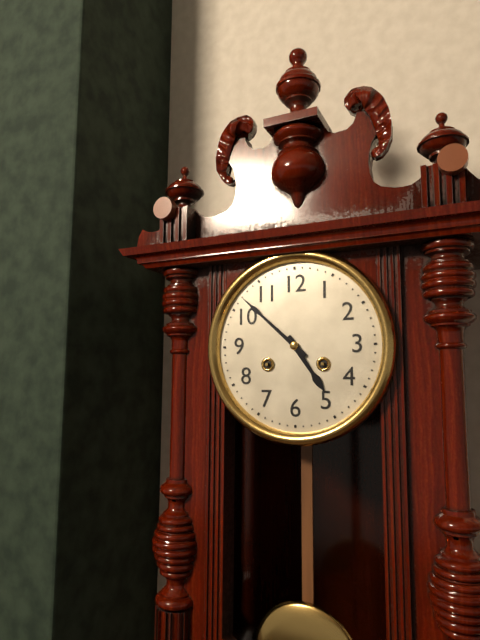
4:52
